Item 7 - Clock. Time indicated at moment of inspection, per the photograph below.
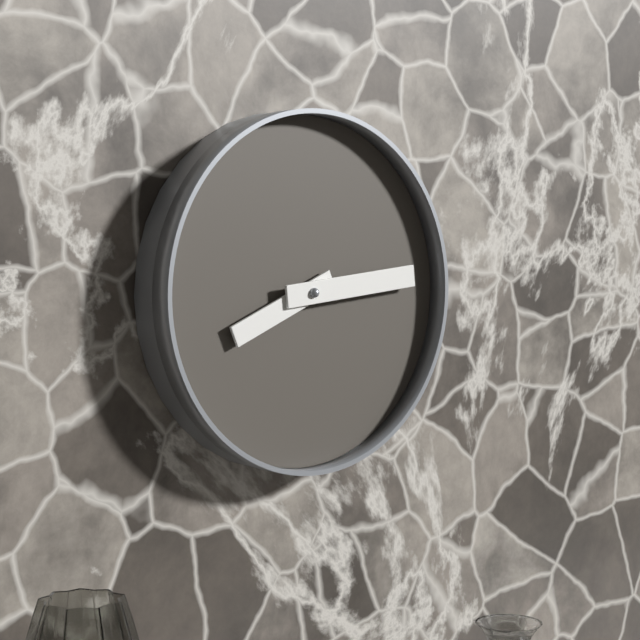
8:14
